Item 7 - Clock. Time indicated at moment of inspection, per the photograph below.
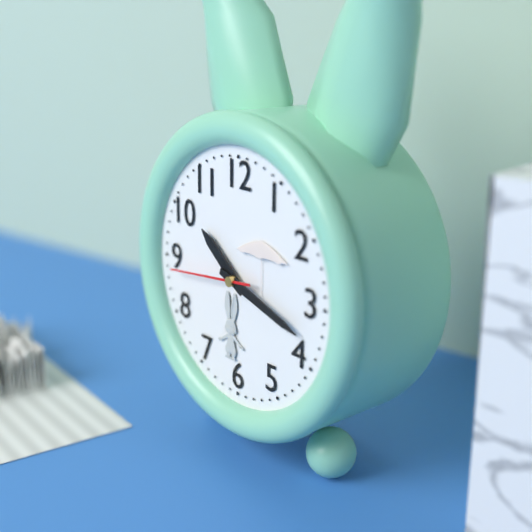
10:18:44
